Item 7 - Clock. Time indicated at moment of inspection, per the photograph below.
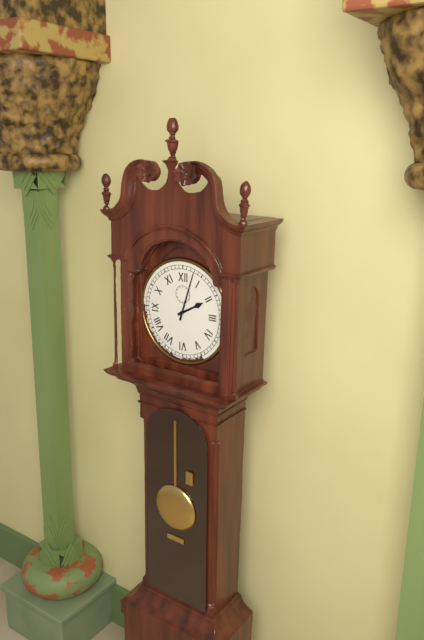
2:03
